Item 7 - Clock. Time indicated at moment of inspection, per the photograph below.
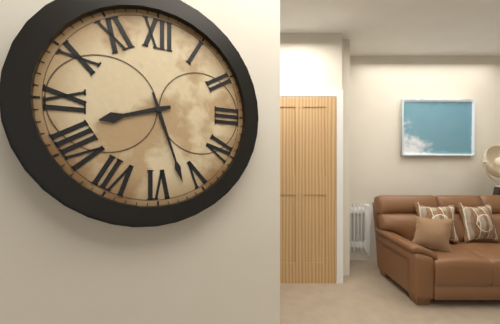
8:27
